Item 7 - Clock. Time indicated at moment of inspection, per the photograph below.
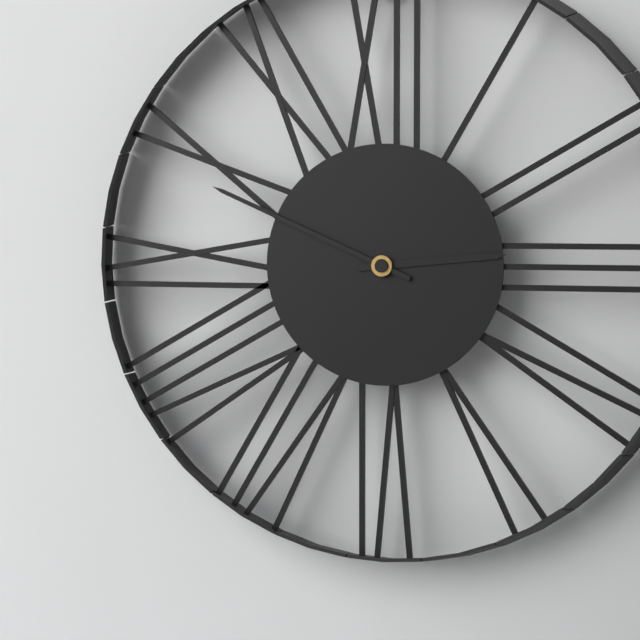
2:49
